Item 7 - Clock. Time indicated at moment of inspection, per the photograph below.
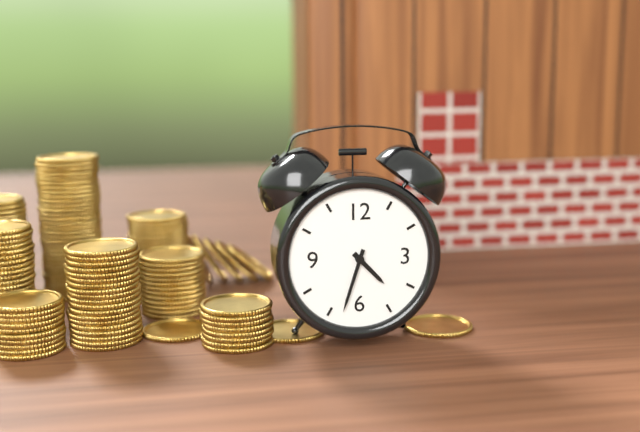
4:33
